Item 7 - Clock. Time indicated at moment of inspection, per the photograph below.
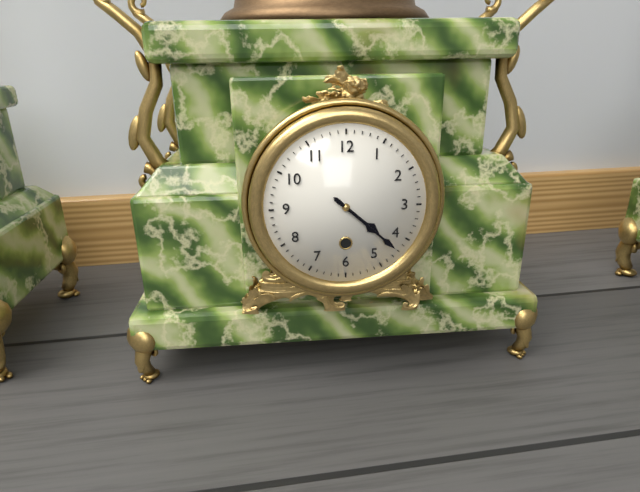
4:22
